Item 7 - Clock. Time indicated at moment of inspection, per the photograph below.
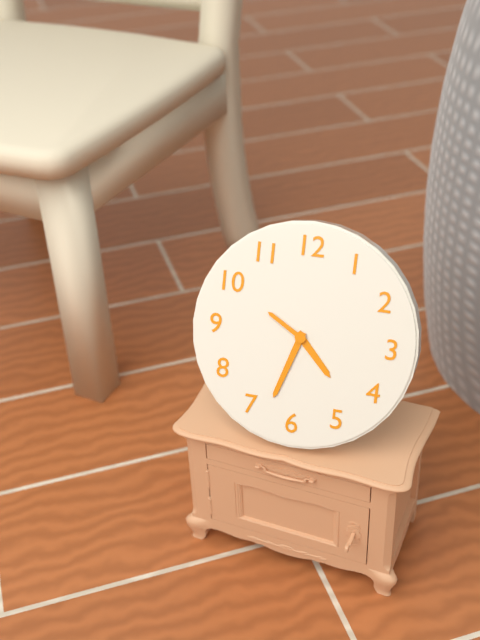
4:33:50
